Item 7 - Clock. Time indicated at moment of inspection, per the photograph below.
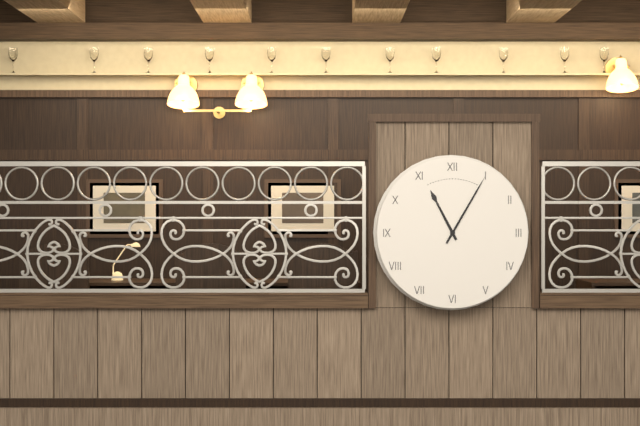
11:05
